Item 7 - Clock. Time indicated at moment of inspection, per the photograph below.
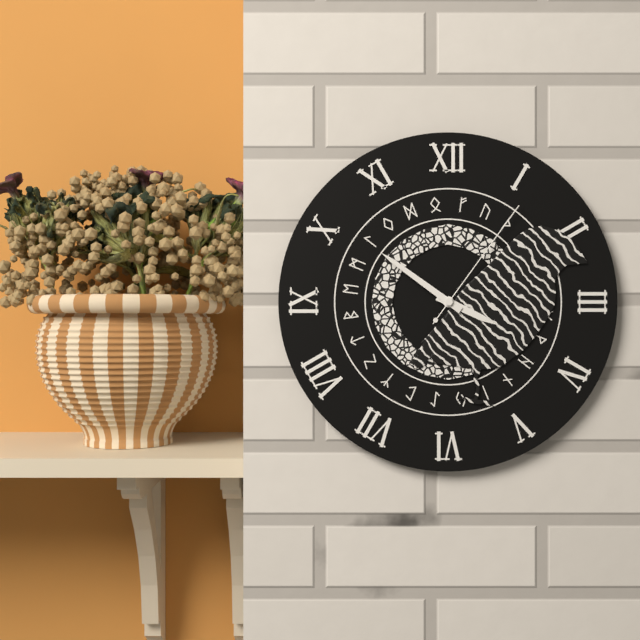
3:51:06
